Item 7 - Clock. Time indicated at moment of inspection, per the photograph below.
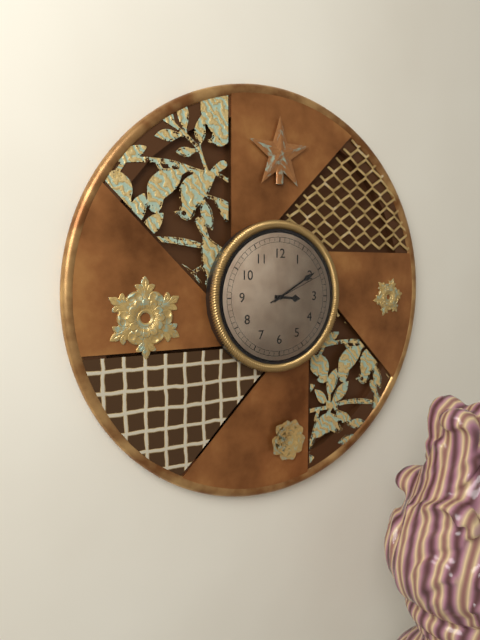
3:10:11
